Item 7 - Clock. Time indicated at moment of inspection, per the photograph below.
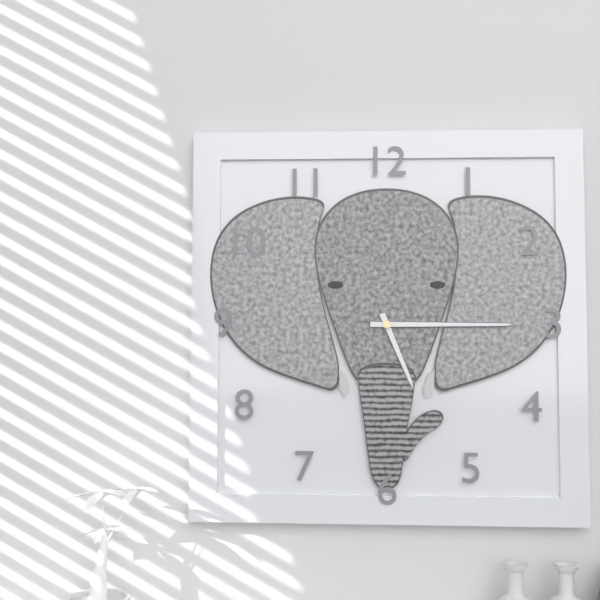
5:15
